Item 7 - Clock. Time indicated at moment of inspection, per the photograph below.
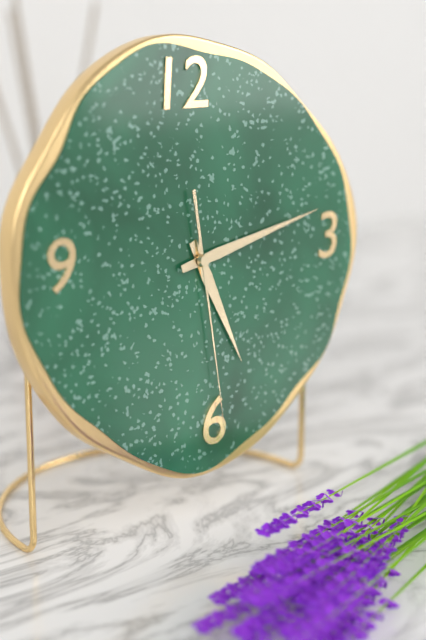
5:13:29
